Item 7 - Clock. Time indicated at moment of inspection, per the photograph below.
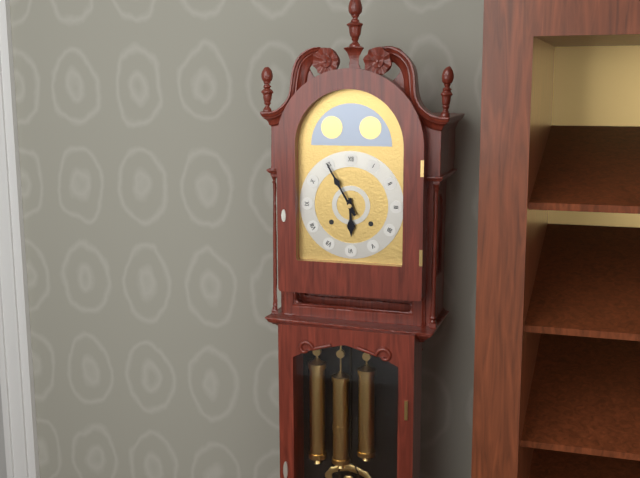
5:55
